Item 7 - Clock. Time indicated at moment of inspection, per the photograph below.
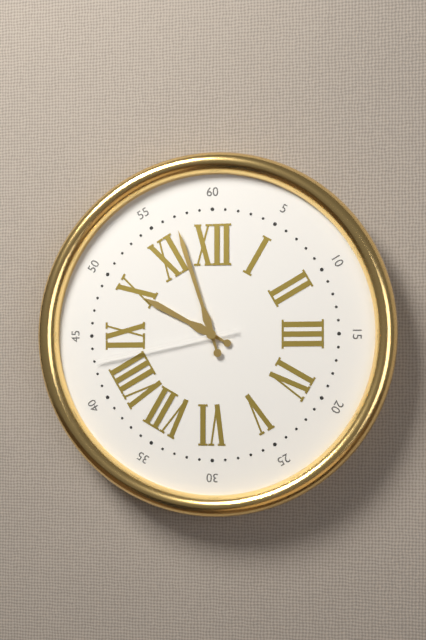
9:57:43
